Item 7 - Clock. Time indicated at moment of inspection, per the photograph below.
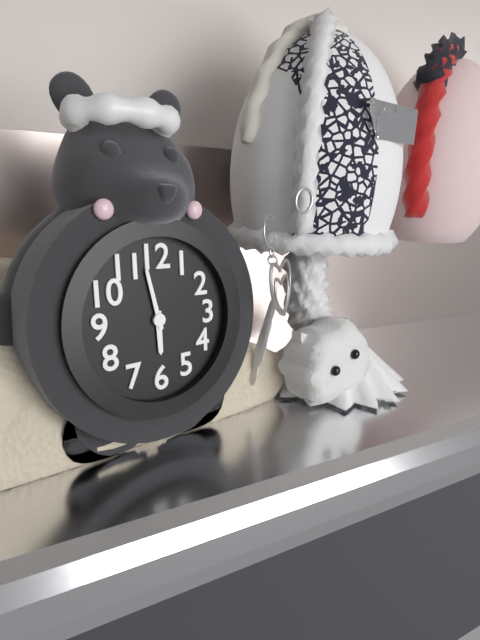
5:58
